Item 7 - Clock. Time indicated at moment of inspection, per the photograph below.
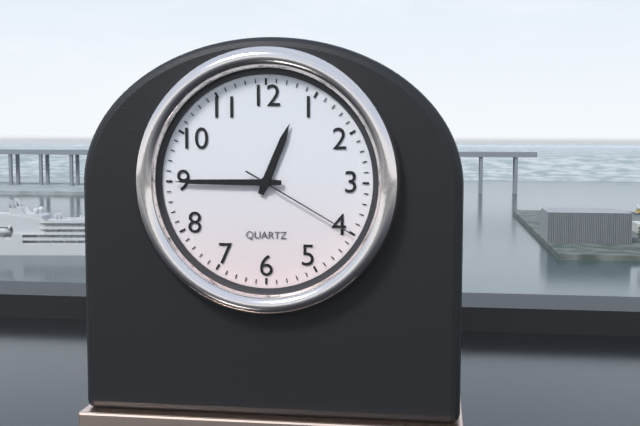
12:45:20
